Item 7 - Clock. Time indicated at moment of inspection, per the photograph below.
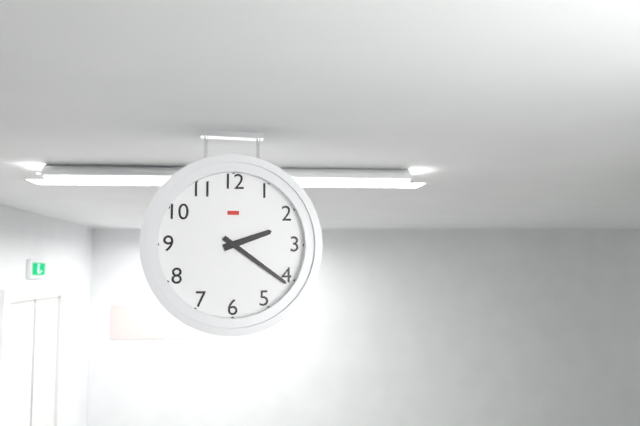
2:21
